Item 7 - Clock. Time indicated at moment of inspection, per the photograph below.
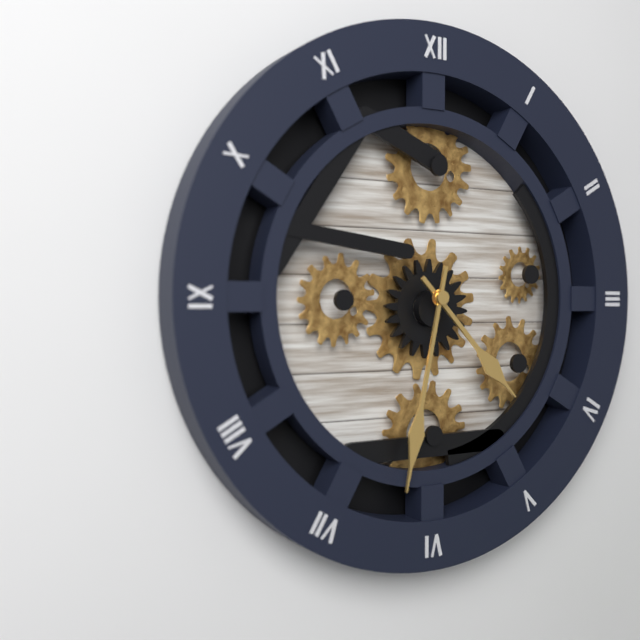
4:32
